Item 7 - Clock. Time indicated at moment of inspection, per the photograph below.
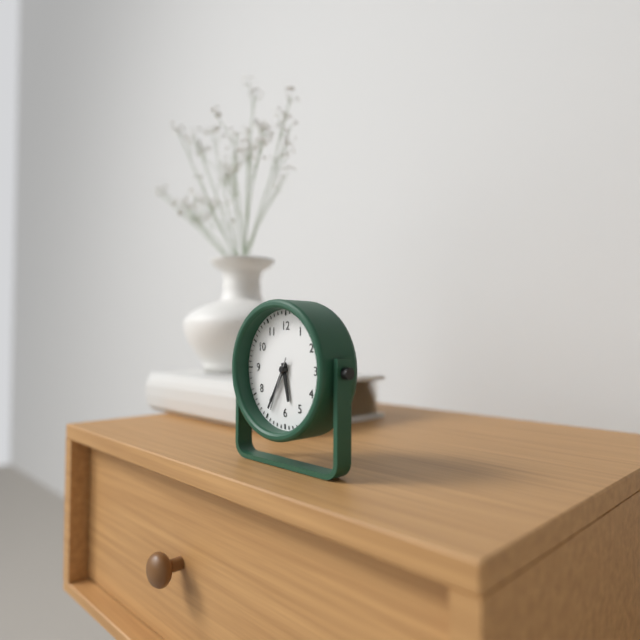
5:35:34
